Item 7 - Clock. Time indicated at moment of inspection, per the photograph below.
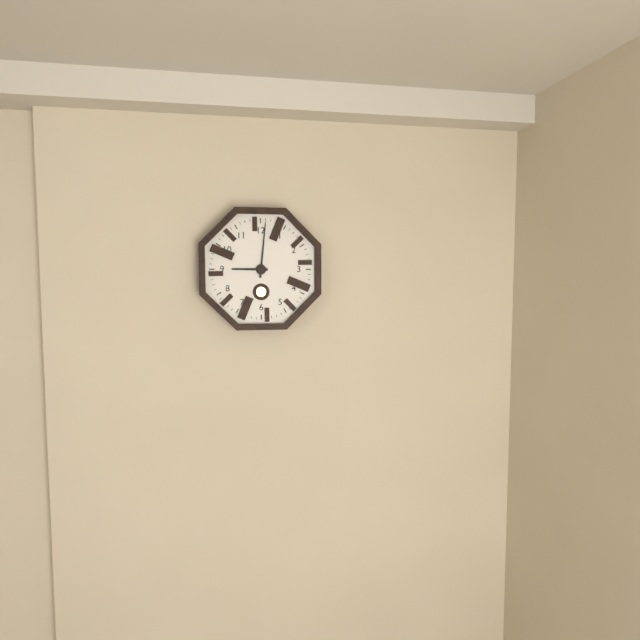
9:01
